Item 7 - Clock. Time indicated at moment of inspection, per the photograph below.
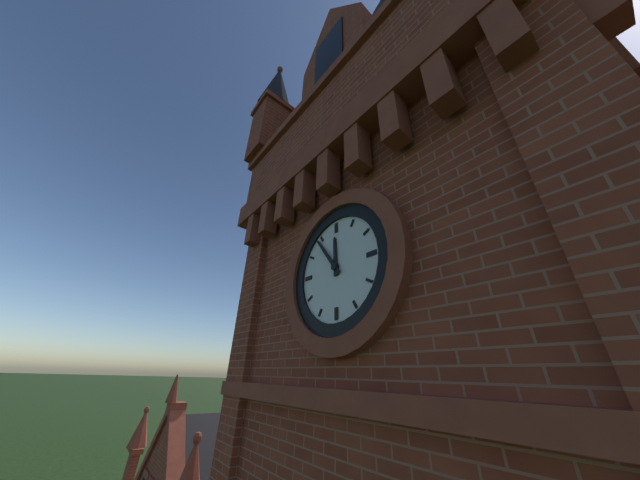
11:54
